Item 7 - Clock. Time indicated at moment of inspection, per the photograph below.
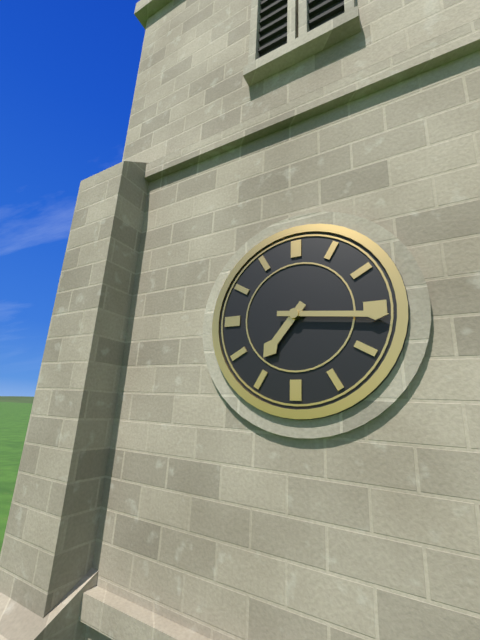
7:16
